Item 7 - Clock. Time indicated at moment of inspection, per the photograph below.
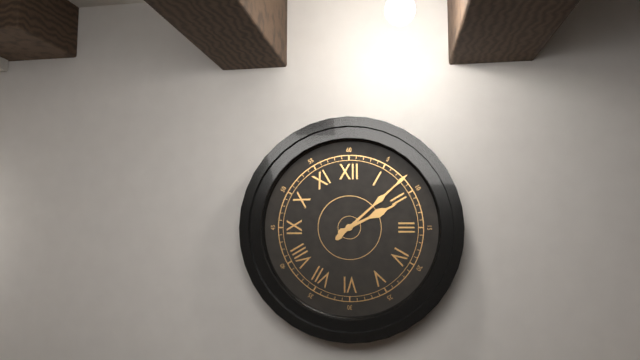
2:08
